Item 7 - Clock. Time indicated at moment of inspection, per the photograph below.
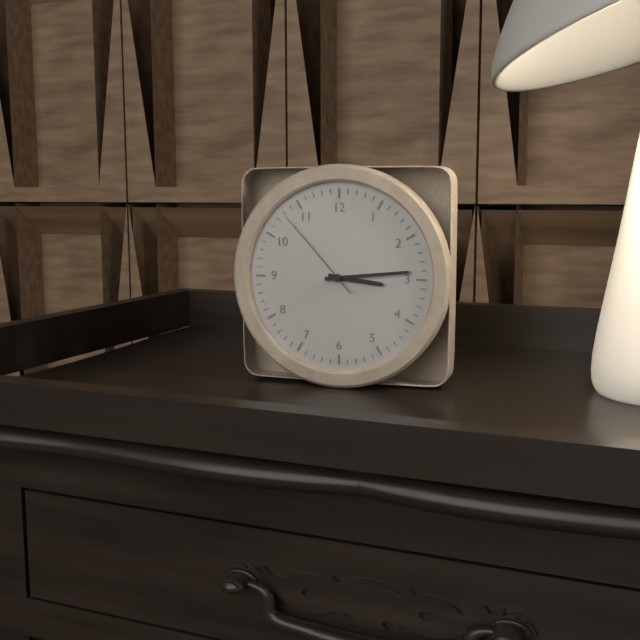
3:14:53
